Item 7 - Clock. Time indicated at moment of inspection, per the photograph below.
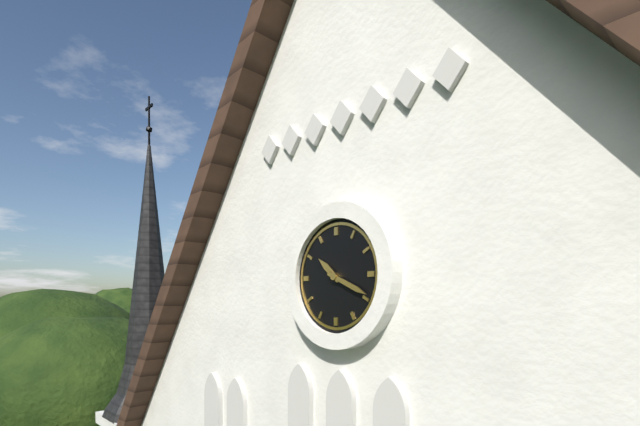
10:19
